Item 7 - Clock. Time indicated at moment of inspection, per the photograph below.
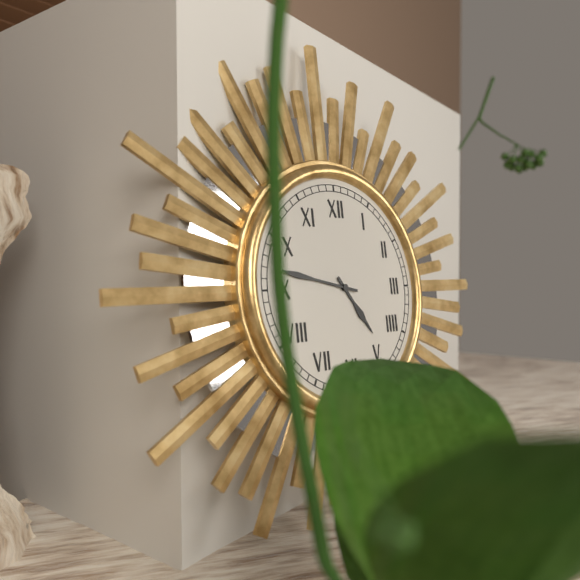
4:47
